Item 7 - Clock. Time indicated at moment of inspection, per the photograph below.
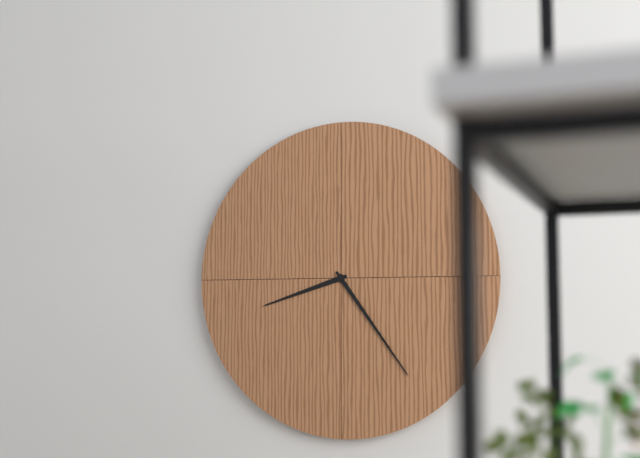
8:24
